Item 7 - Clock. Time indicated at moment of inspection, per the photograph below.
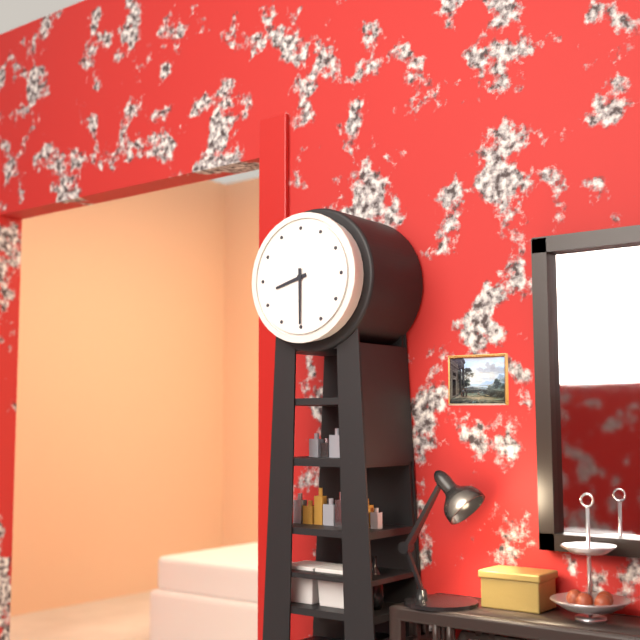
8:30
